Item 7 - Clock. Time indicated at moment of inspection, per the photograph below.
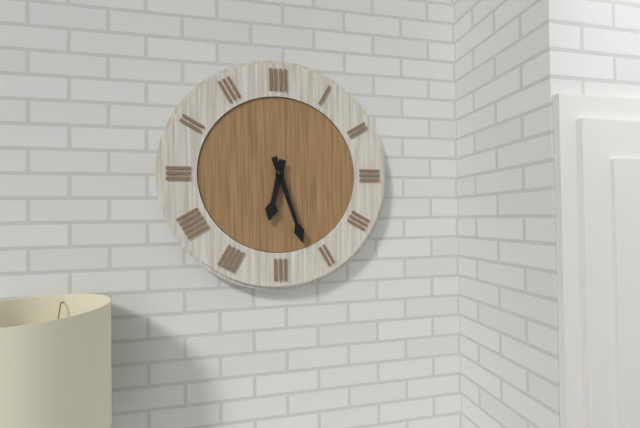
6:27
